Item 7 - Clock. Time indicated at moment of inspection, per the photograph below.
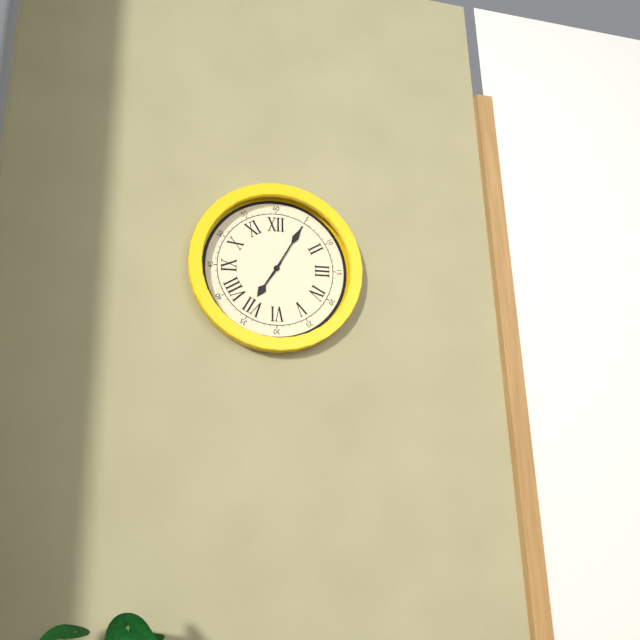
7:05
